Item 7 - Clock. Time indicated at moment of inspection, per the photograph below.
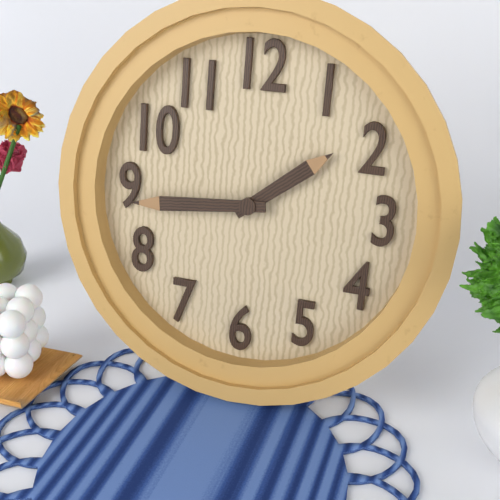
1:44
